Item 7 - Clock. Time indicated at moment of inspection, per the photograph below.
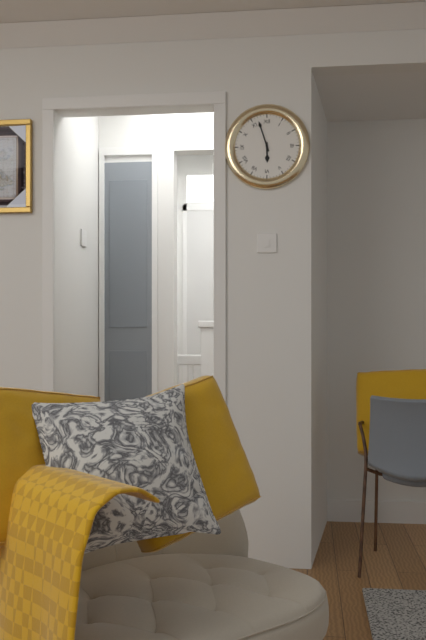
5:57
